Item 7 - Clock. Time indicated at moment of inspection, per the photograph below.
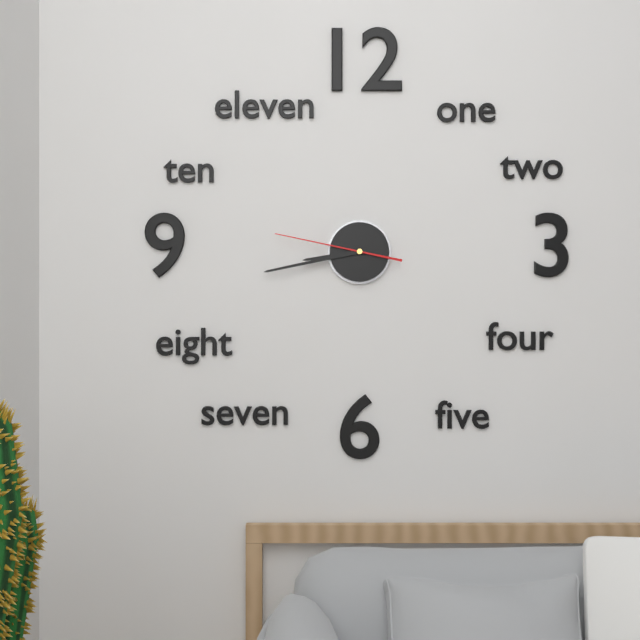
8:43:47
